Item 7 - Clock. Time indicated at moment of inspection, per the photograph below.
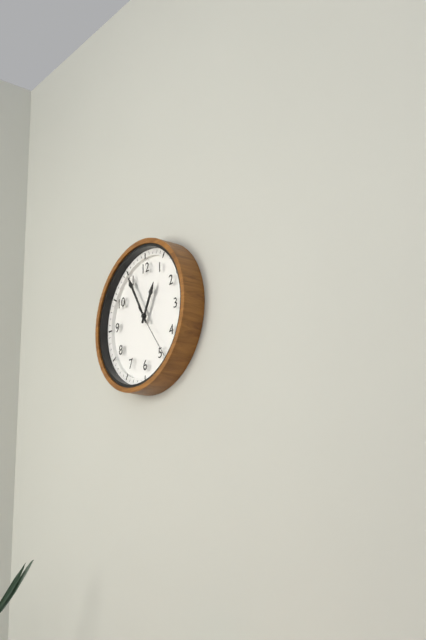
12:55:24
